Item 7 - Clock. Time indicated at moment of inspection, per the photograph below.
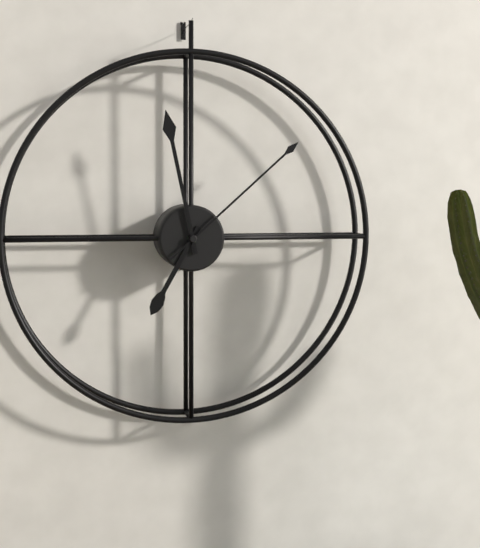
6:58:08
